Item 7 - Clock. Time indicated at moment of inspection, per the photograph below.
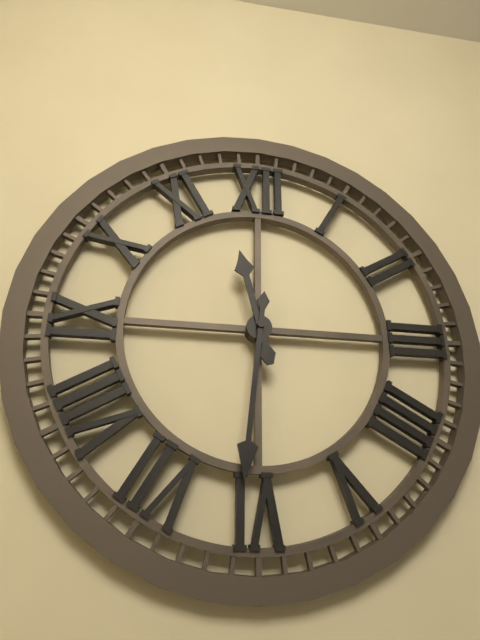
11:31
